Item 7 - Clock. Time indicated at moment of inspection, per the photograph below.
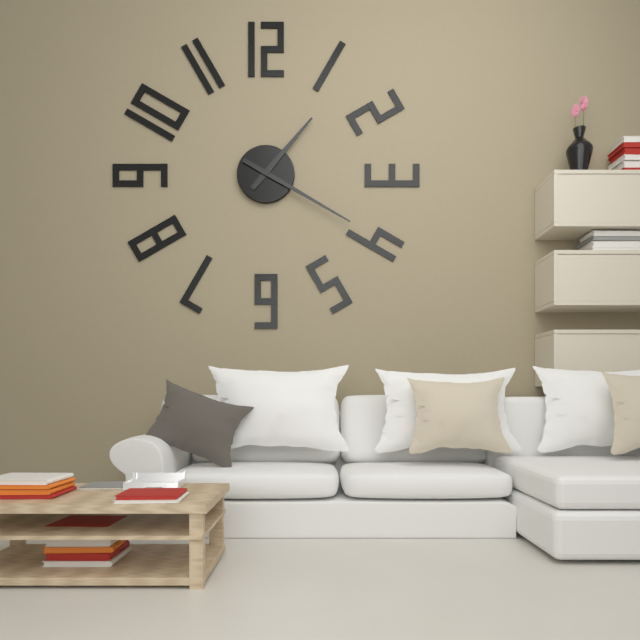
1:20
